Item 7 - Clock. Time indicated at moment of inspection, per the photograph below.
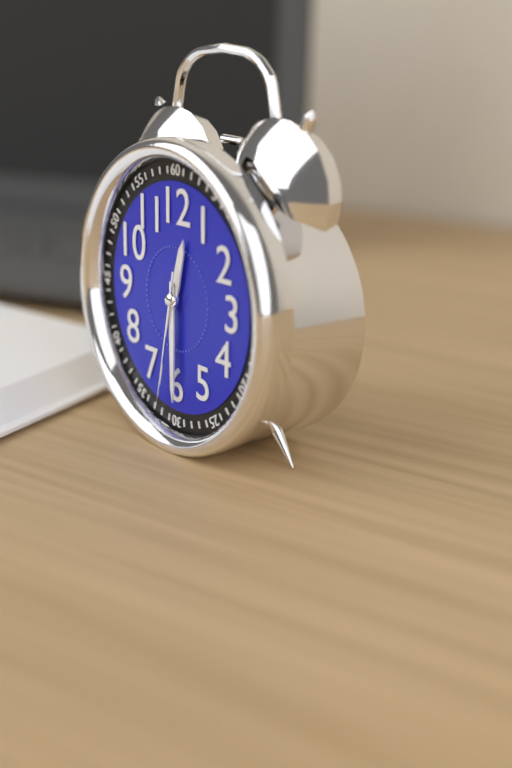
12:30:32
